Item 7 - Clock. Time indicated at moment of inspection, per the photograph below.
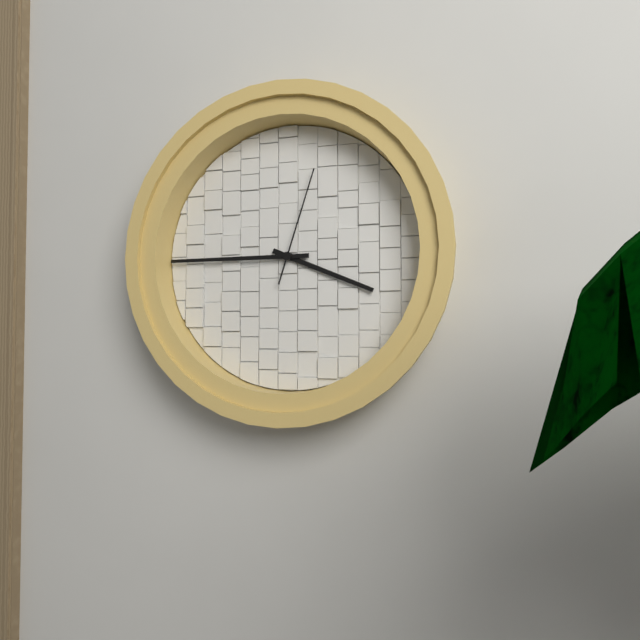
3:45:03
